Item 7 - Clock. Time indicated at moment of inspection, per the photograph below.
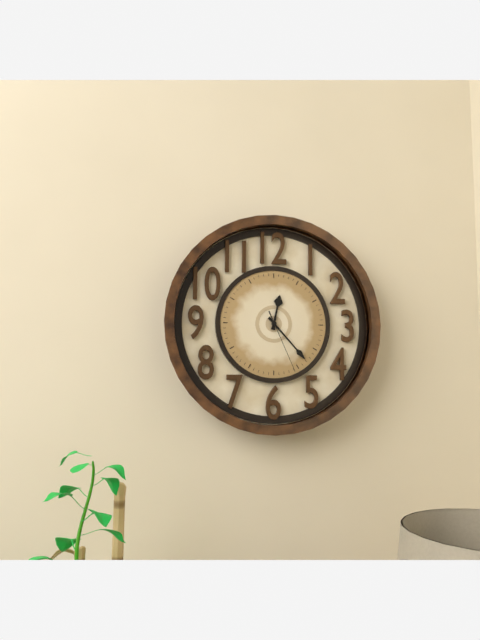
12:23:26
